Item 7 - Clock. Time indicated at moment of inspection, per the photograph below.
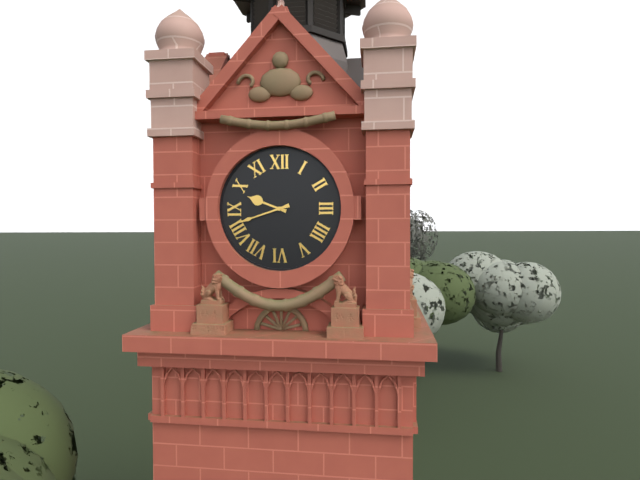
9:42
